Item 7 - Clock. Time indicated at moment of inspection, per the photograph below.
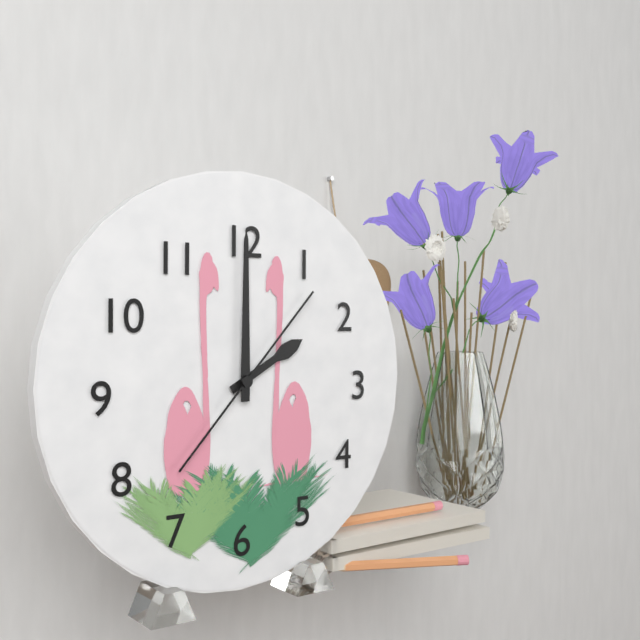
2:00:07
